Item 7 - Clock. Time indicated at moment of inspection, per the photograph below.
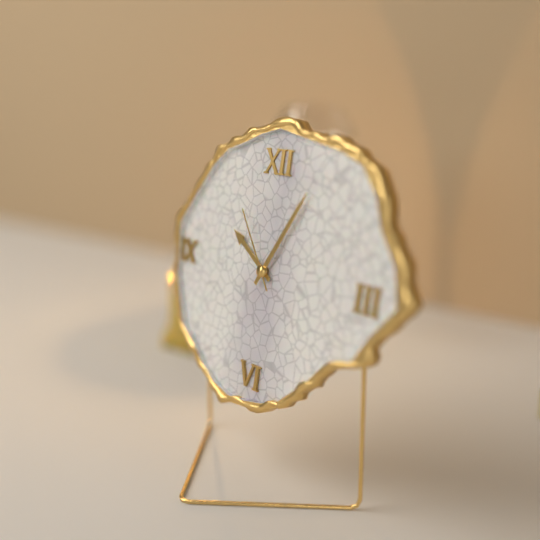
10:05:54
